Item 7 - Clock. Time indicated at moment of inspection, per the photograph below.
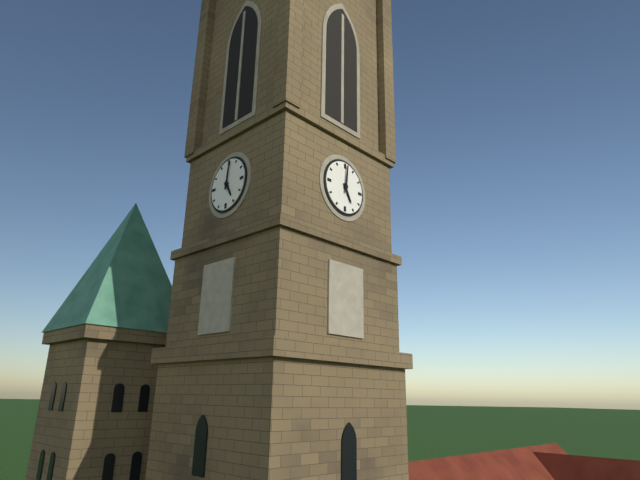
5:01
